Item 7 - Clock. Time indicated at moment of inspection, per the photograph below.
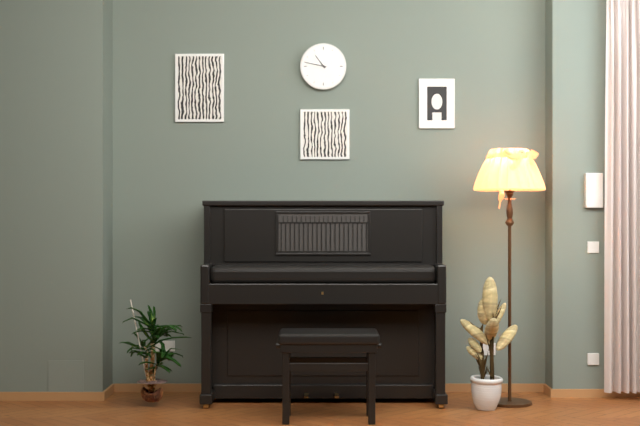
10:47
